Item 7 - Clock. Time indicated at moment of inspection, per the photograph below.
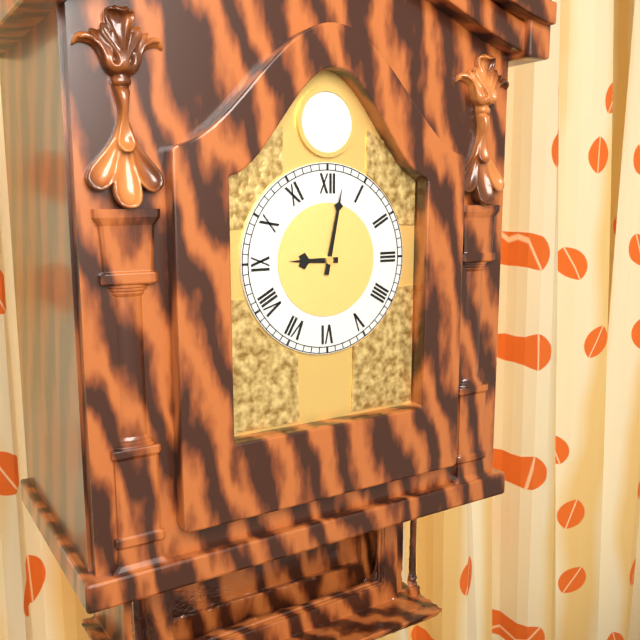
9:02
